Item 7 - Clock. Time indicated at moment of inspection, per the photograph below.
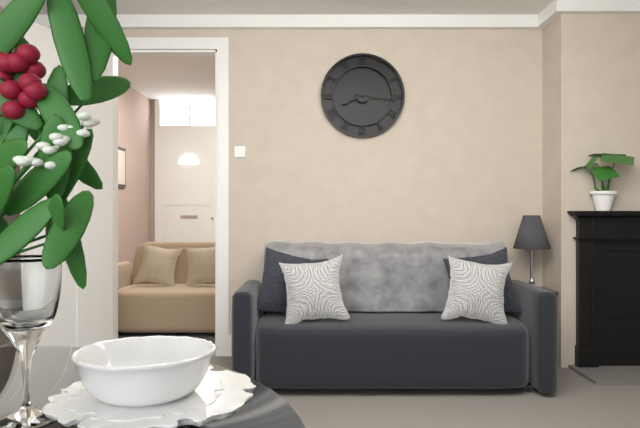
8:16
